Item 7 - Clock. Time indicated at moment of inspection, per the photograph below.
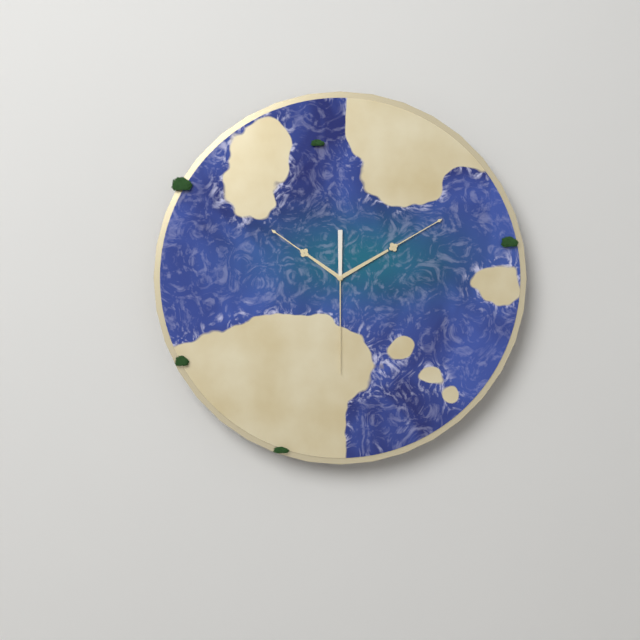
10:10:30
